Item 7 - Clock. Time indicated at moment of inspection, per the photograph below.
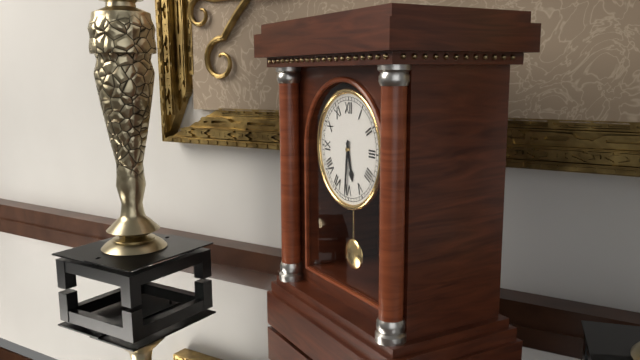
5:31
